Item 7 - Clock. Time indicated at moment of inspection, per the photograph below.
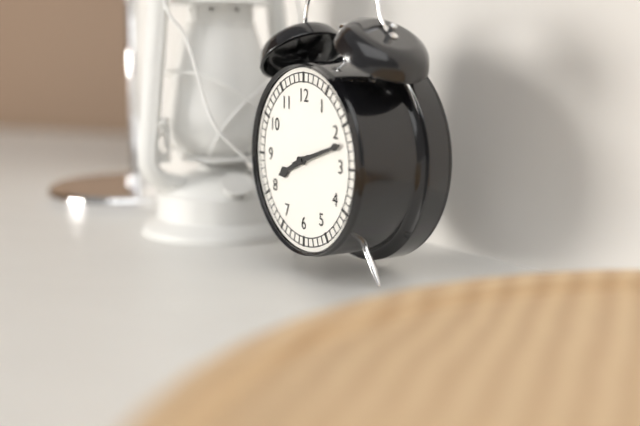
8:12
